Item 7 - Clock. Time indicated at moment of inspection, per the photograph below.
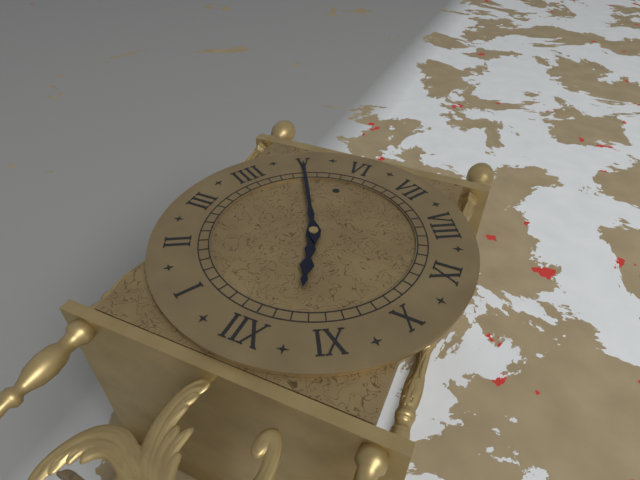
11:25
